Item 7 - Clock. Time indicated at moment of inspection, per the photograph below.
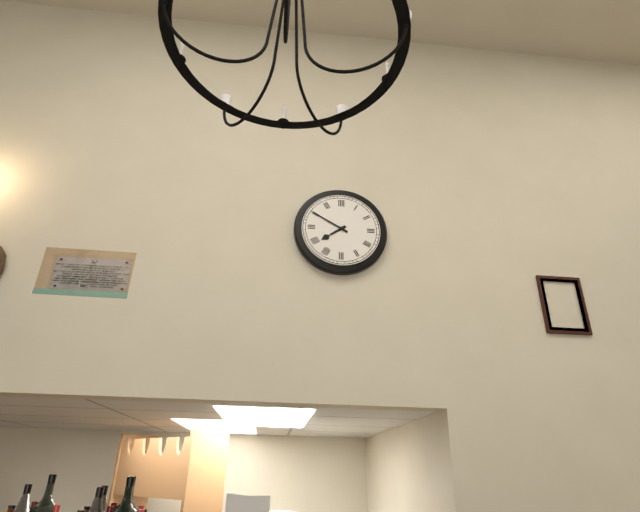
7:50
